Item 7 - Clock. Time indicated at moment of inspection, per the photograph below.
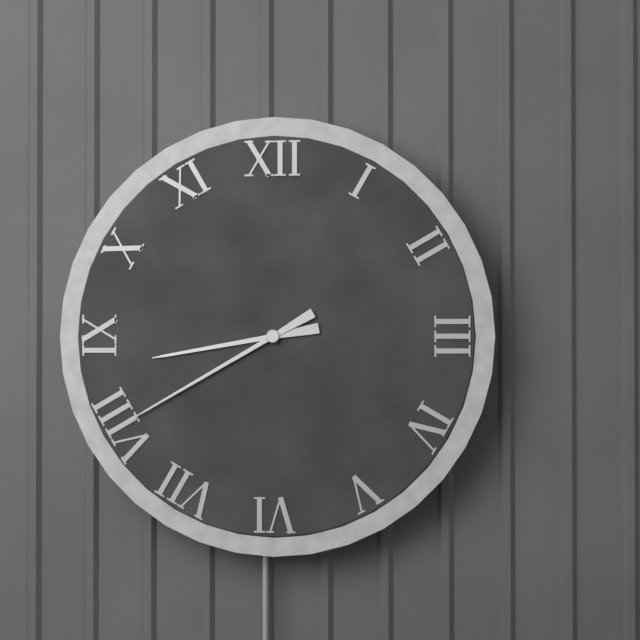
8:40
